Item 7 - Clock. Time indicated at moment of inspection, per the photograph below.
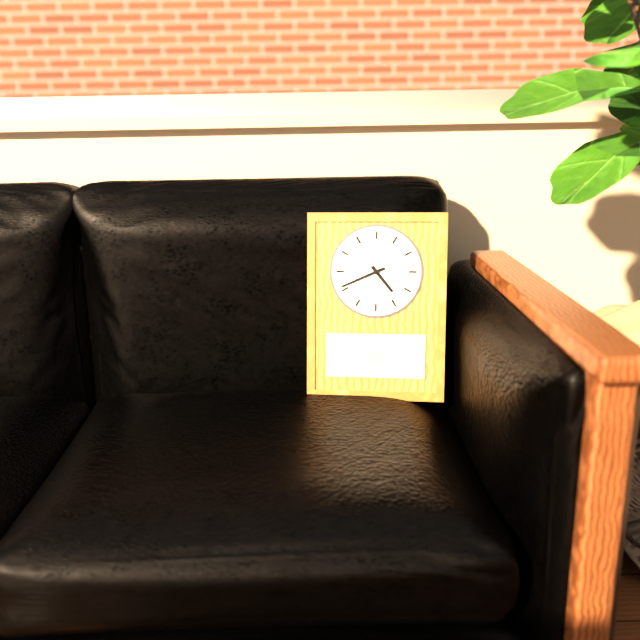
4:41
